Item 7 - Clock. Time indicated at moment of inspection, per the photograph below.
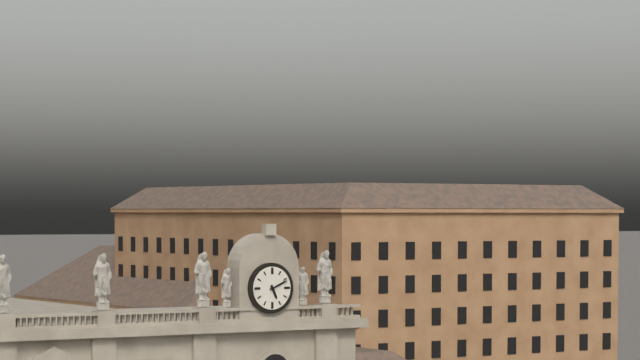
5:11
